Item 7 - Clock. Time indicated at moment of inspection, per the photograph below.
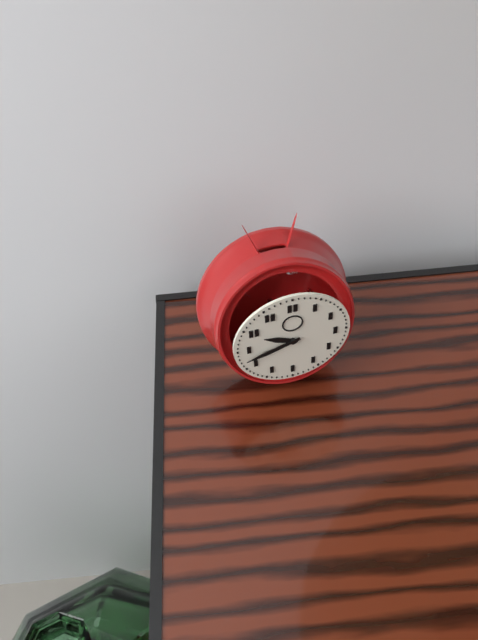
9:42
